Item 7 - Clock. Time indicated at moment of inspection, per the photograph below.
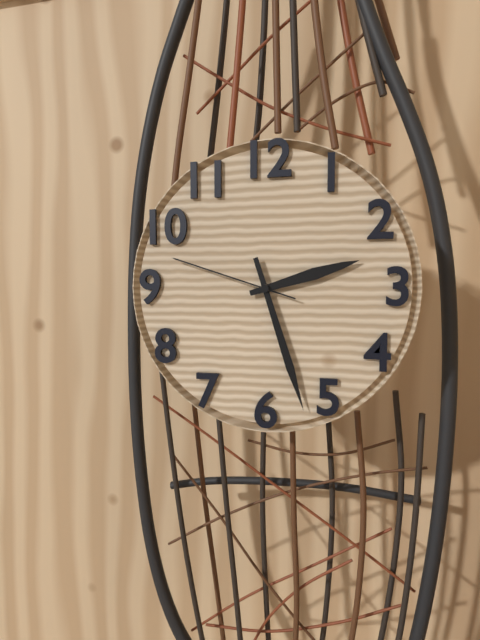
2:27:48
